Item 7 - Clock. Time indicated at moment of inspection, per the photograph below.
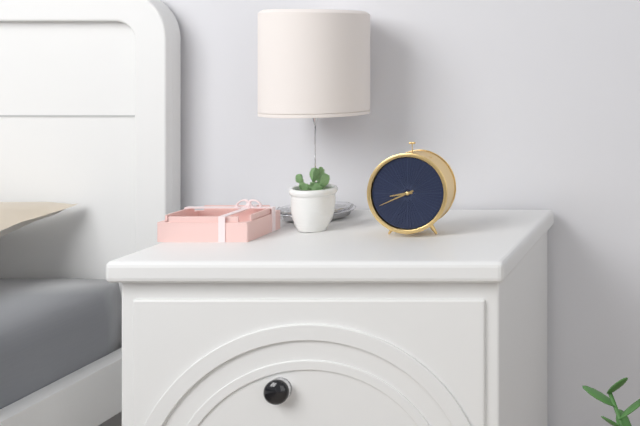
8:41
